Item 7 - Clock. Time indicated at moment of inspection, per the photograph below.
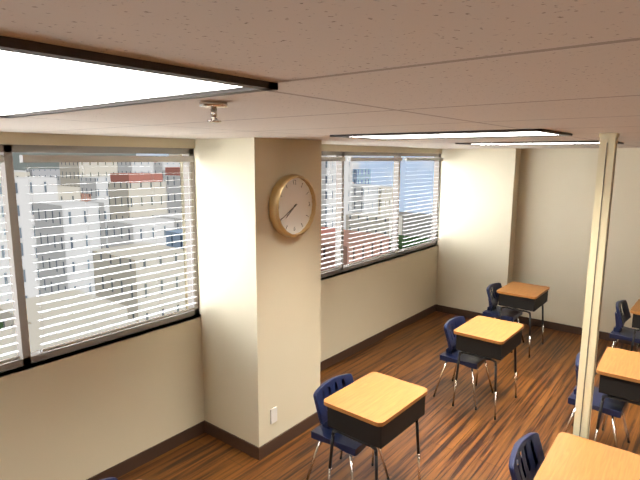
7:40
